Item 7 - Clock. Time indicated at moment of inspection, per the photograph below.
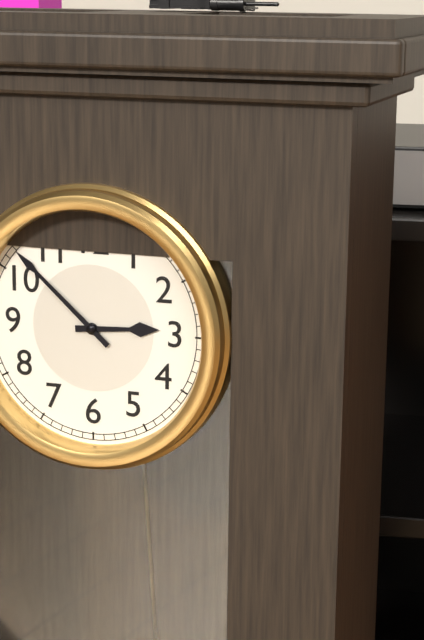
2:52
